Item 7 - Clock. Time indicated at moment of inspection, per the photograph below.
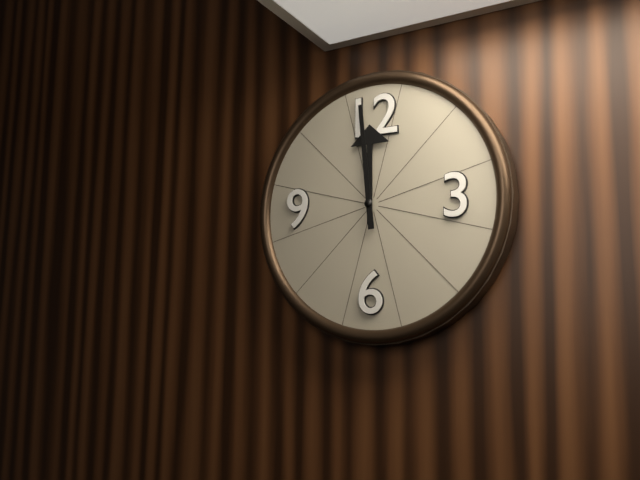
11:59
